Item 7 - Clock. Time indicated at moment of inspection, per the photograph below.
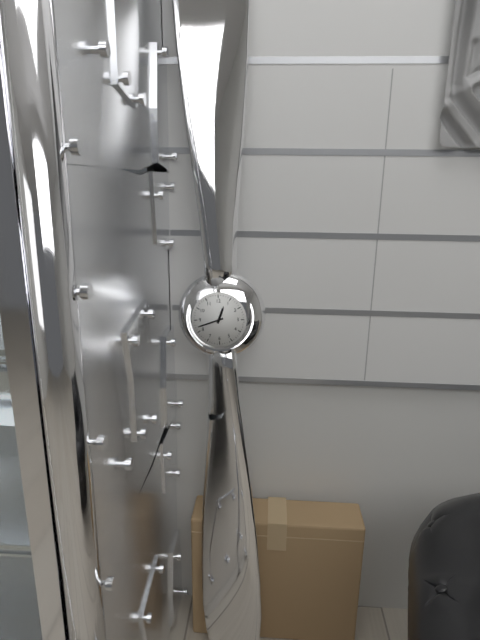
12:42
